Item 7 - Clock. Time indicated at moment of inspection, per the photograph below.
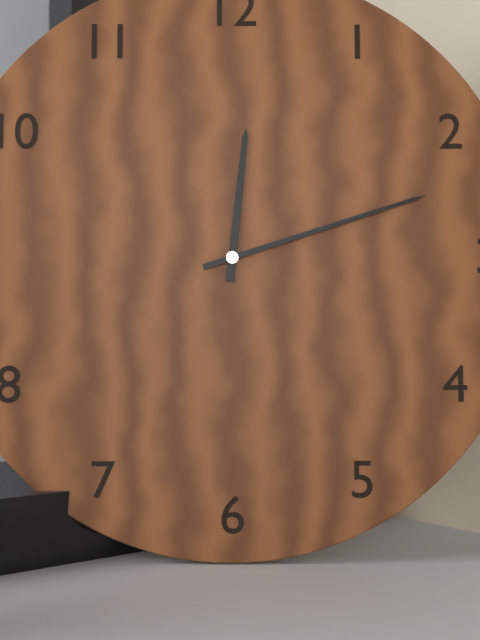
12:12
